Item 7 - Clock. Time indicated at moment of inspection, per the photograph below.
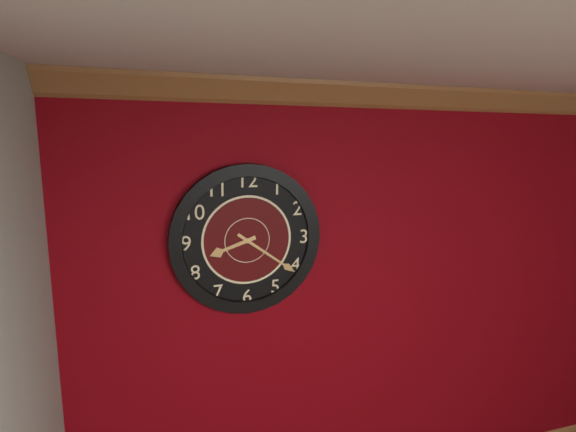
8:21
